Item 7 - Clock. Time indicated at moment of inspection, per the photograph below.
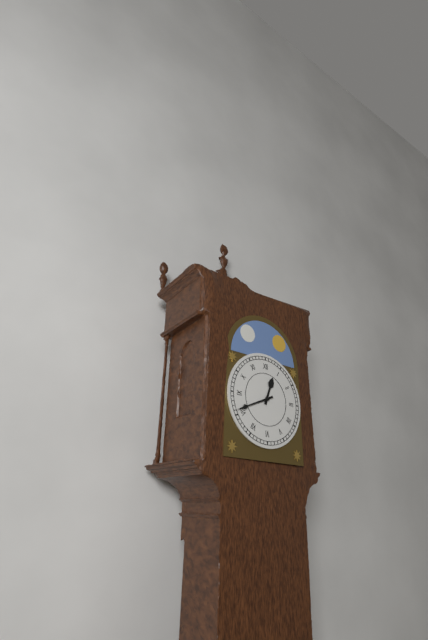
12:41
